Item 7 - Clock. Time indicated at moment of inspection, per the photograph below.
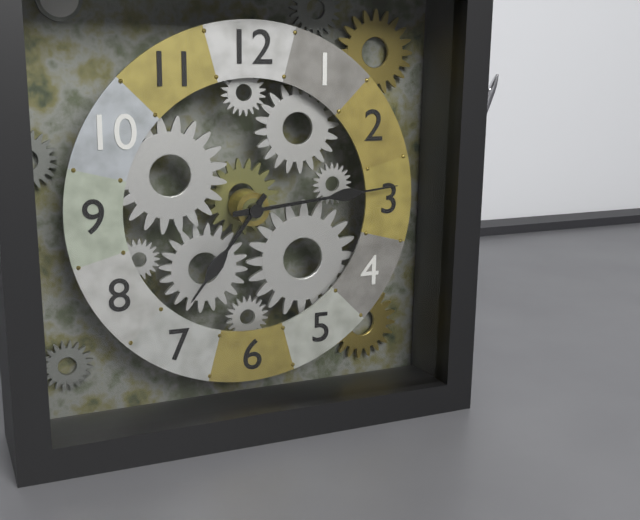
7:14
